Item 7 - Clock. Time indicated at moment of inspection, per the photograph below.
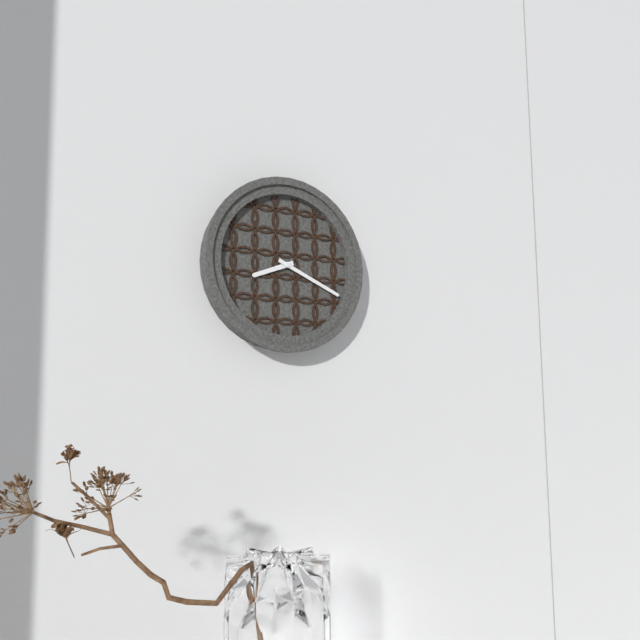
8:19
